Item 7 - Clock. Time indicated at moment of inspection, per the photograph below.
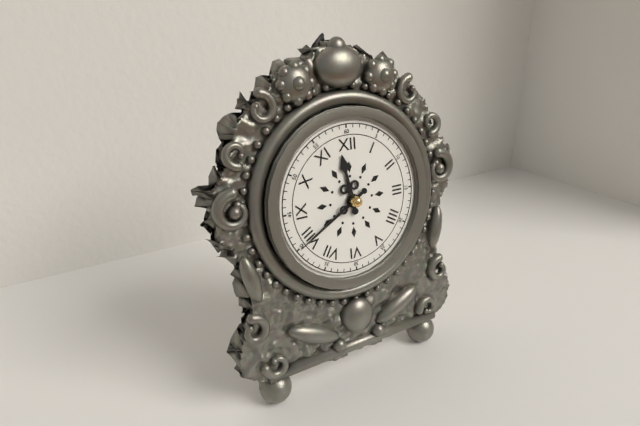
11:40
